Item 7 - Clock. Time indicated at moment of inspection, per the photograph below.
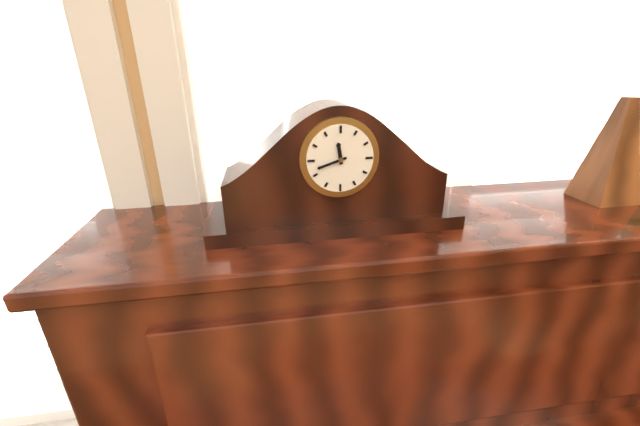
11:42
